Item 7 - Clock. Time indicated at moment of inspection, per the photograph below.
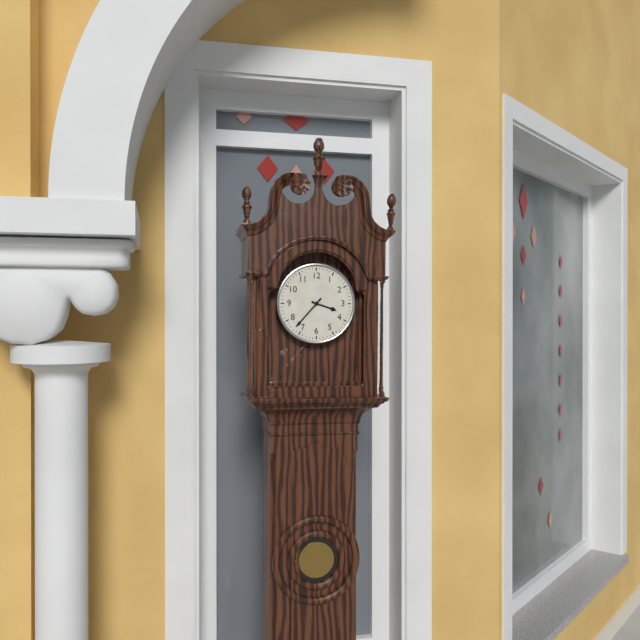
3:37
